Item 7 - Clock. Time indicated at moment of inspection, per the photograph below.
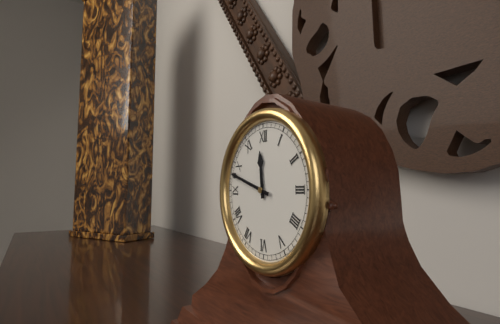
11:48
